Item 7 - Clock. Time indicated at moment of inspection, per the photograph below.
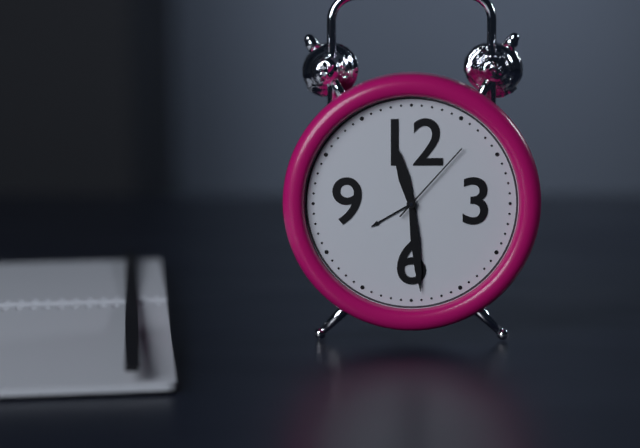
11:29:07
